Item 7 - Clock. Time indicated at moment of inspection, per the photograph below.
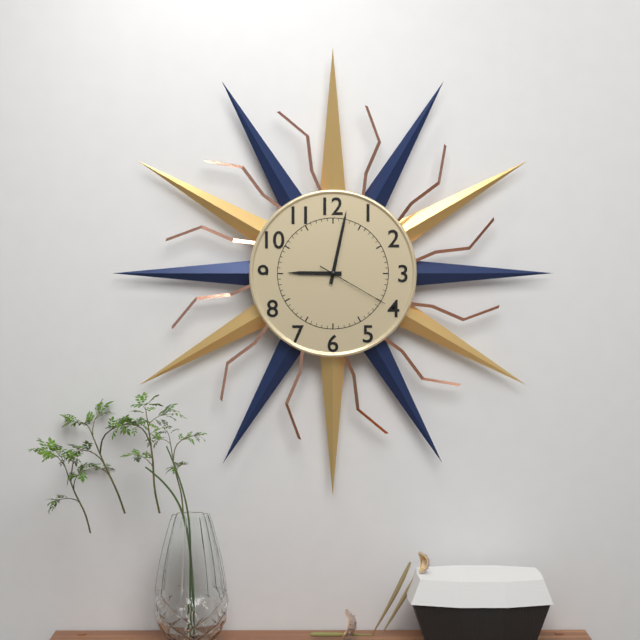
9:02:20
